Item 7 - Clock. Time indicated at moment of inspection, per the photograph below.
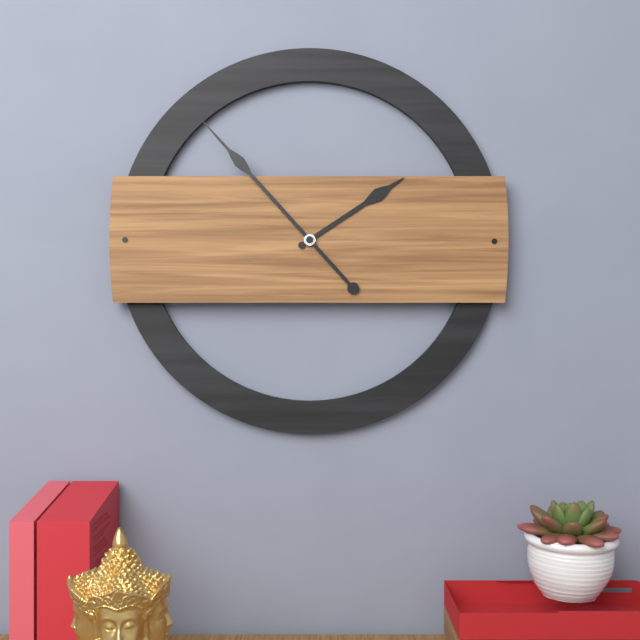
1:53
